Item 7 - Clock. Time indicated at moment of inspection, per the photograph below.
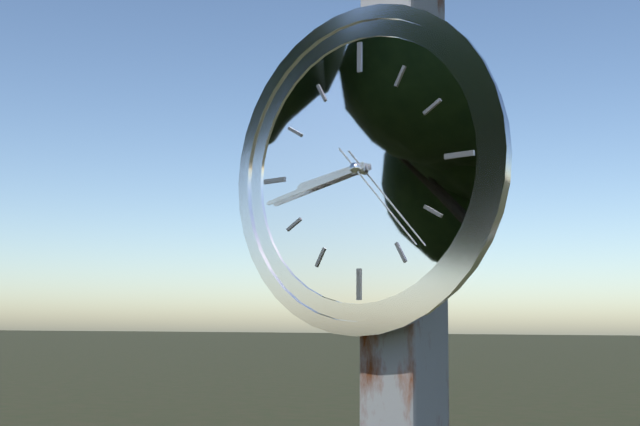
8:43:23
